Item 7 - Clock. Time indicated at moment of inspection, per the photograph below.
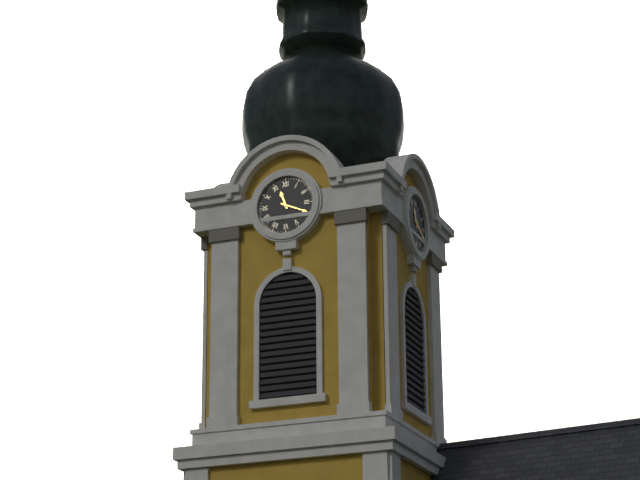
11:19
